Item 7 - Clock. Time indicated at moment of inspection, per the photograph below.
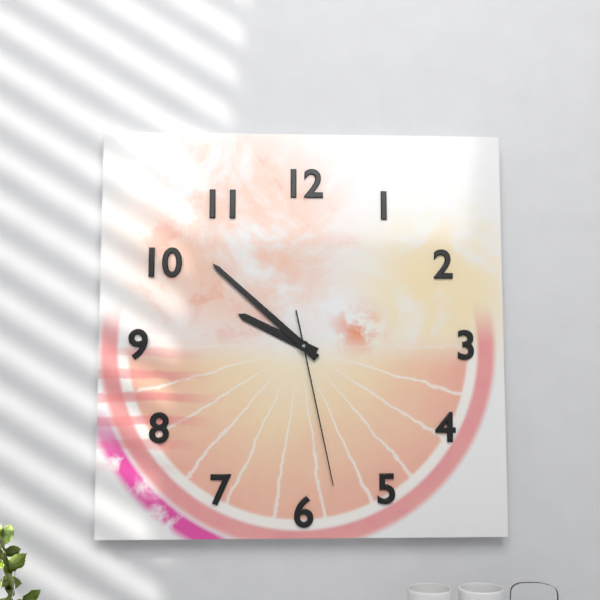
9:52:28
